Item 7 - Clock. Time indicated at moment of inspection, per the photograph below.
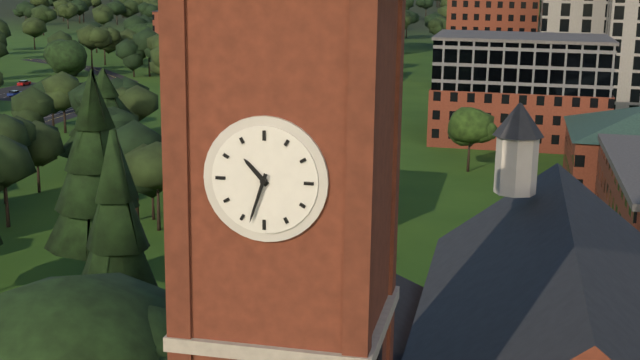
10:33
